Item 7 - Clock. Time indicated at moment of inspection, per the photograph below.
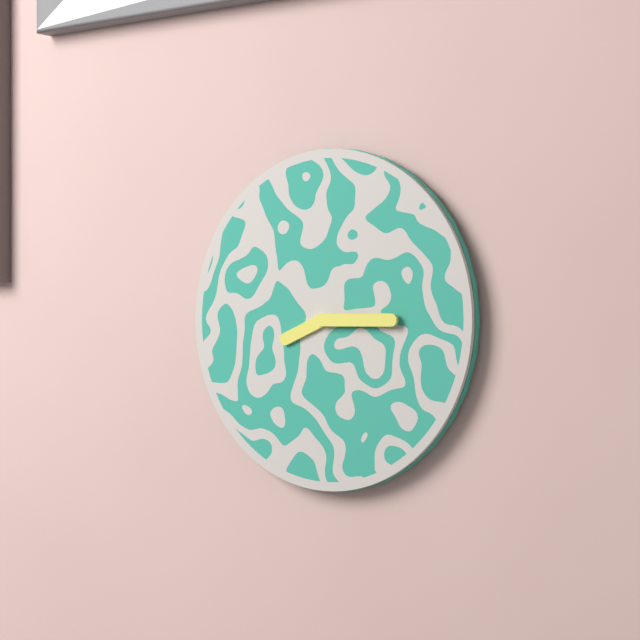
8:15
